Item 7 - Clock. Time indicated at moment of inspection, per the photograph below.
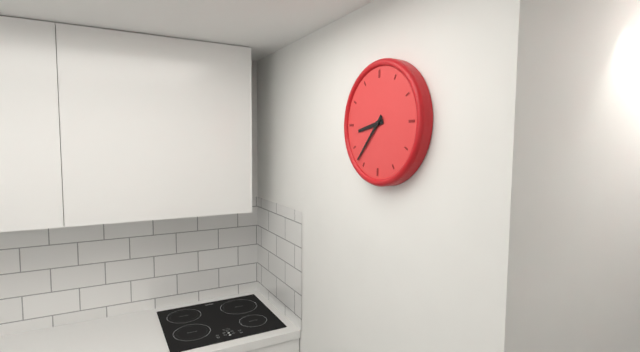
8:37
